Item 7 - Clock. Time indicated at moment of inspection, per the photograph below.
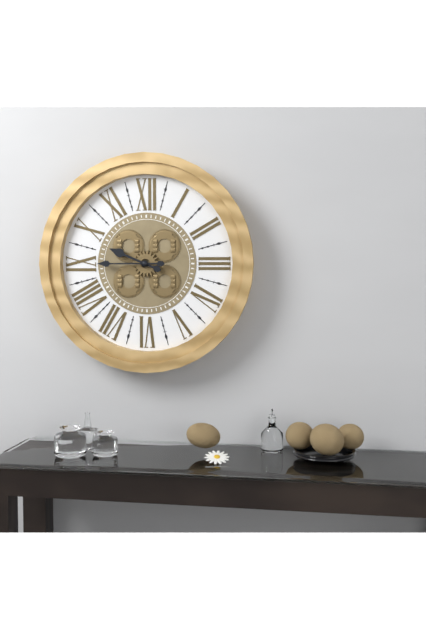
9:45
